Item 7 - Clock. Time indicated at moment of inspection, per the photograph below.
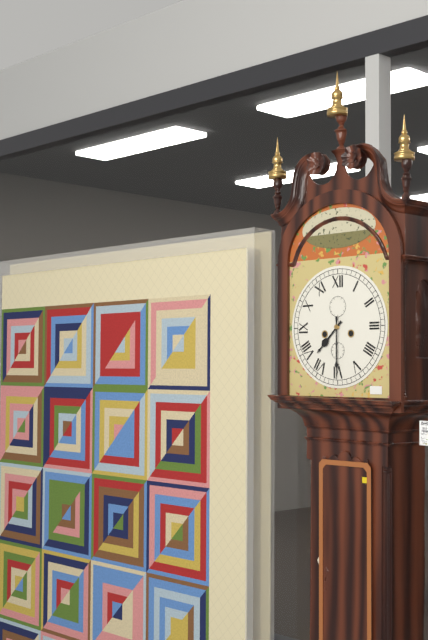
7:30
